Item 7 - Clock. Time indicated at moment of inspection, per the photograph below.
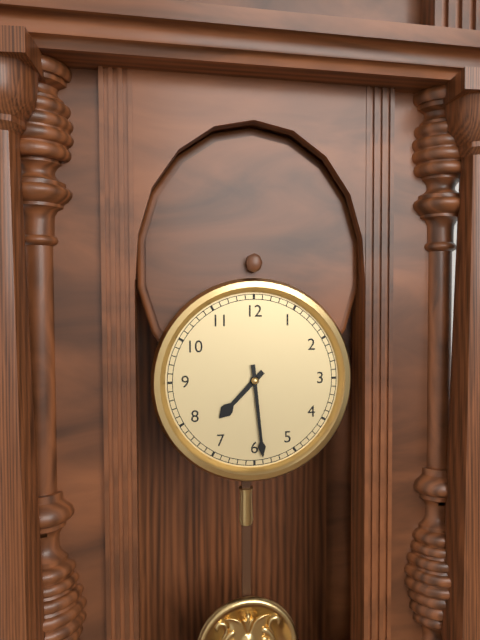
7:29
